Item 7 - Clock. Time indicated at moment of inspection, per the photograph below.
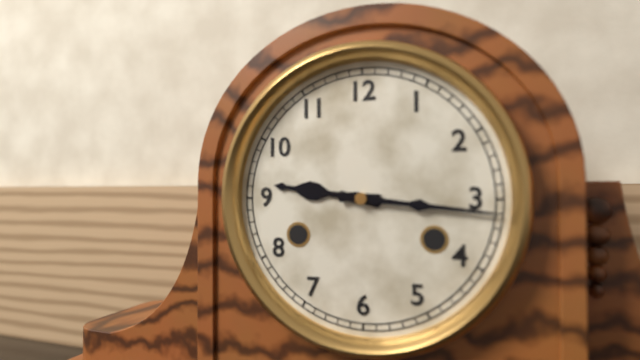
9:16
